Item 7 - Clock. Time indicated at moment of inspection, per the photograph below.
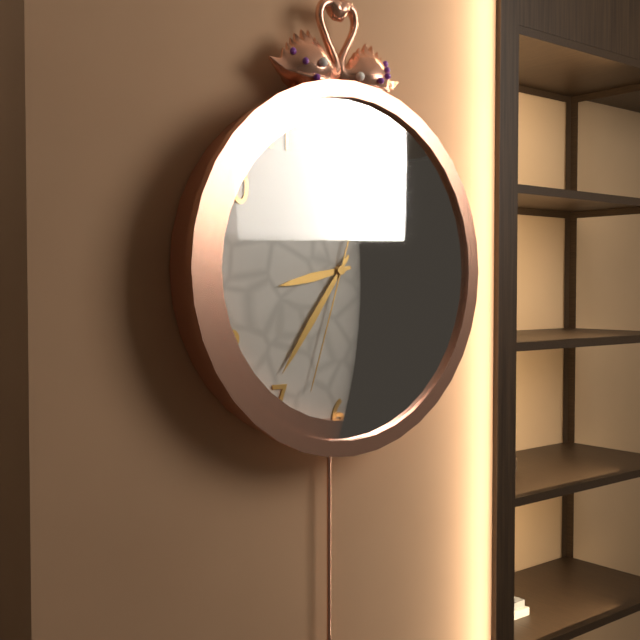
8:36:33
